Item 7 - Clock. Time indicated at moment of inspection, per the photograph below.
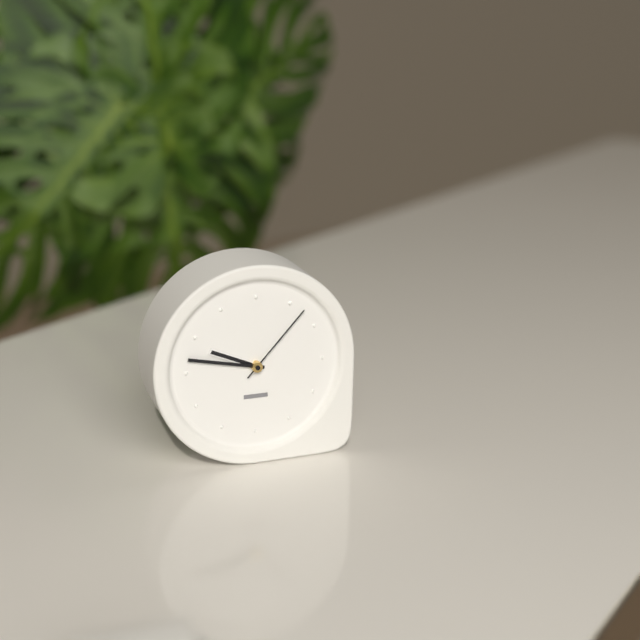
9:47:07
